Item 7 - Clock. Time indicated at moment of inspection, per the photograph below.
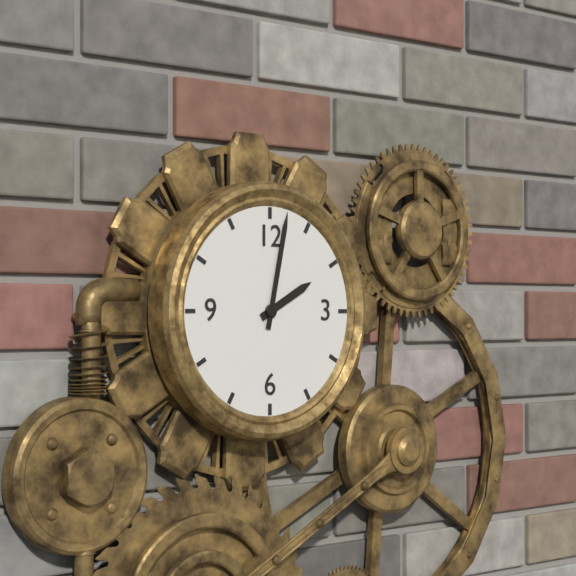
2:02
